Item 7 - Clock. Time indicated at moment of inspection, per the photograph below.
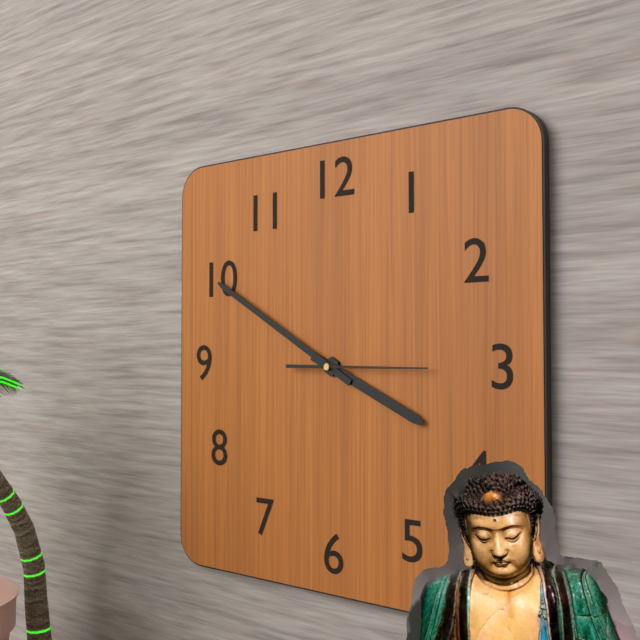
3:50:15
